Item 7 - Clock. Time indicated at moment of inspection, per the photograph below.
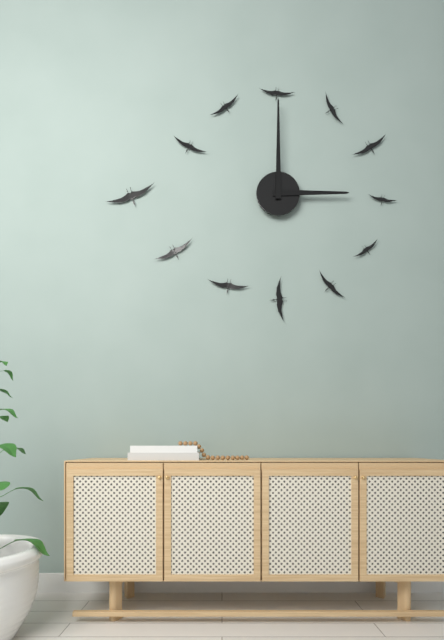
3:00
